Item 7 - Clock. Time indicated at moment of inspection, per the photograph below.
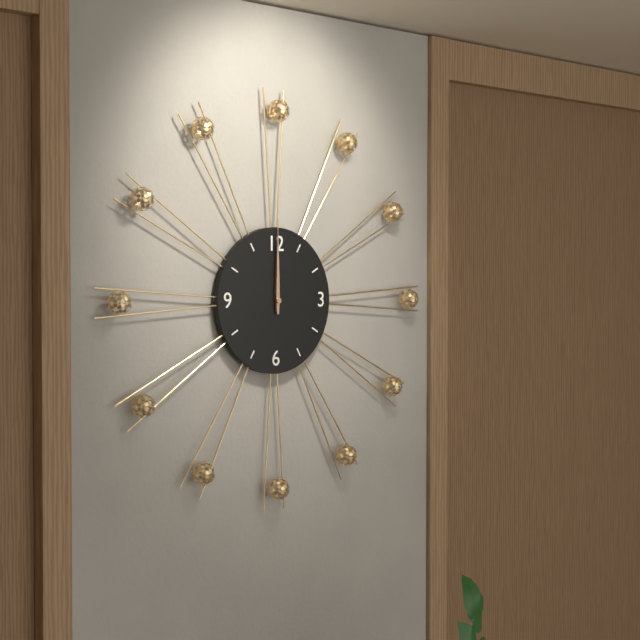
12:00
